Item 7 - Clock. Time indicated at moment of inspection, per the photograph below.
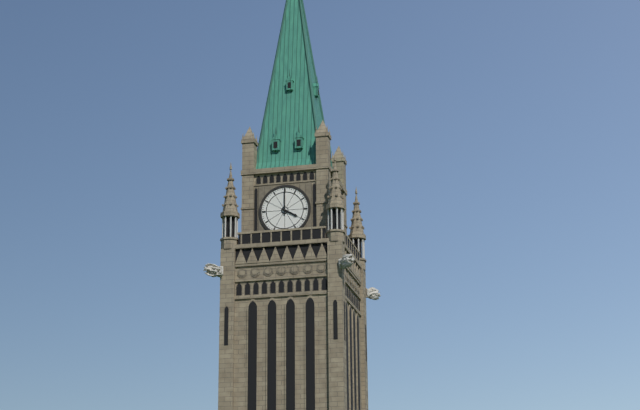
4:00
